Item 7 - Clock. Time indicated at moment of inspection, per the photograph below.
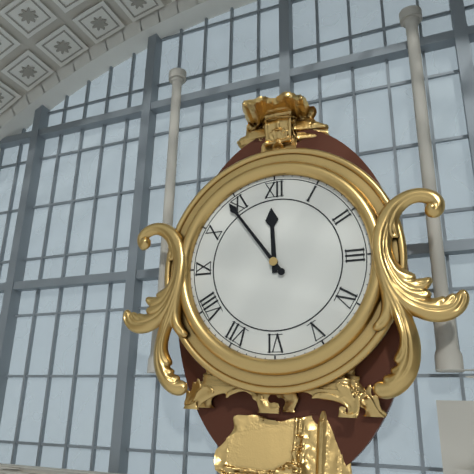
11:54
